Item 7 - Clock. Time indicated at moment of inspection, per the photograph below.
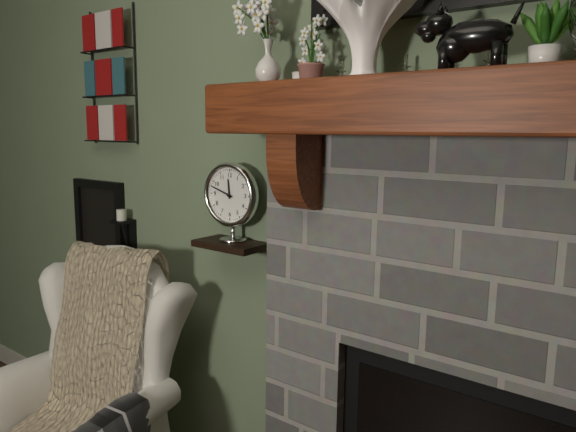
11:48
